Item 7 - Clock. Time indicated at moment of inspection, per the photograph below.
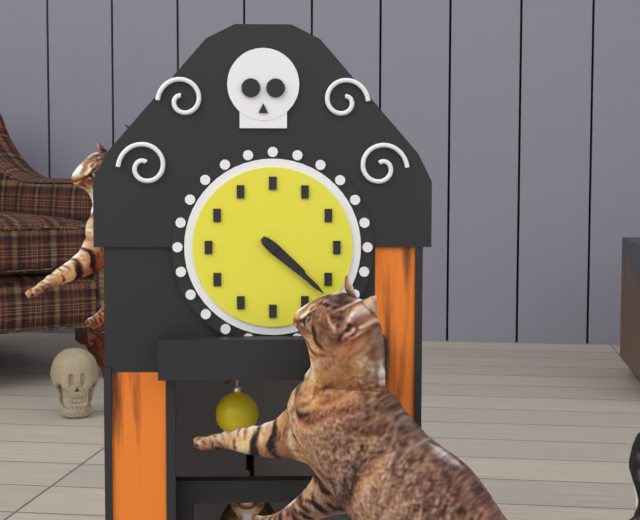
4:22
